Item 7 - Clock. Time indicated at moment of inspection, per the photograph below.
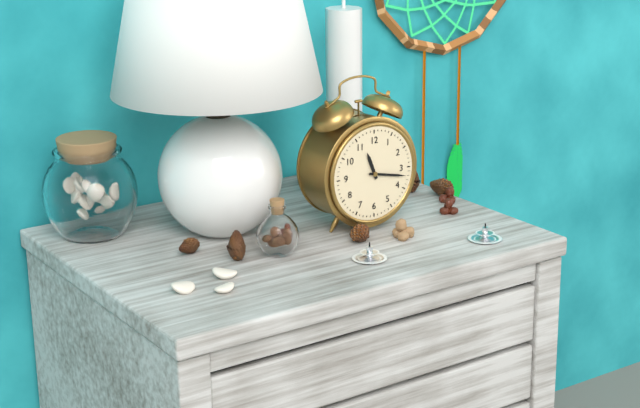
11:17
